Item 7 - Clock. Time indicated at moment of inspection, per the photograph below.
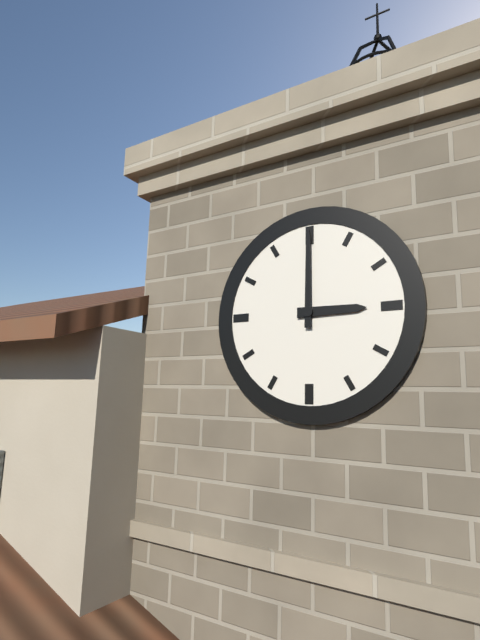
3:00
